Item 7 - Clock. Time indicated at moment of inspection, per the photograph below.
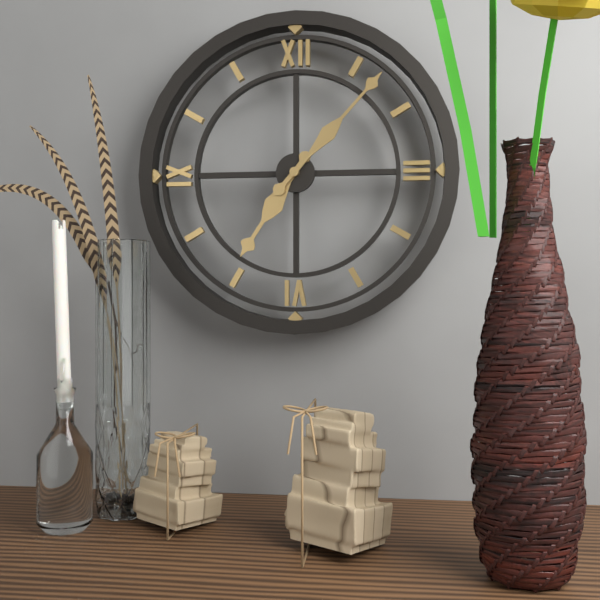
7:07
